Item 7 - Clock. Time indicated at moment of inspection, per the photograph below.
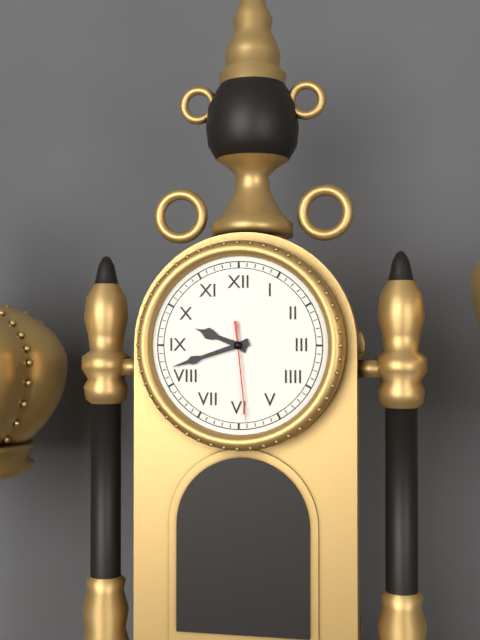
9:42:29
